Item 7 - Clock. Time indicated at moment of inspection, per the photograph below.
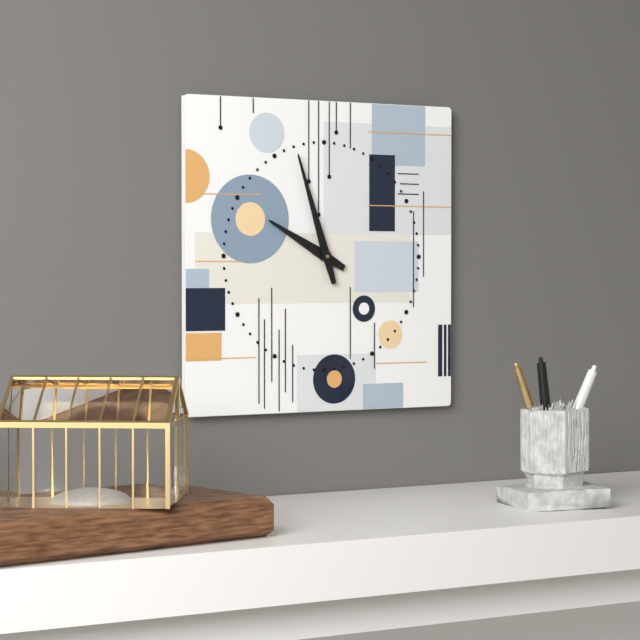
9:57
